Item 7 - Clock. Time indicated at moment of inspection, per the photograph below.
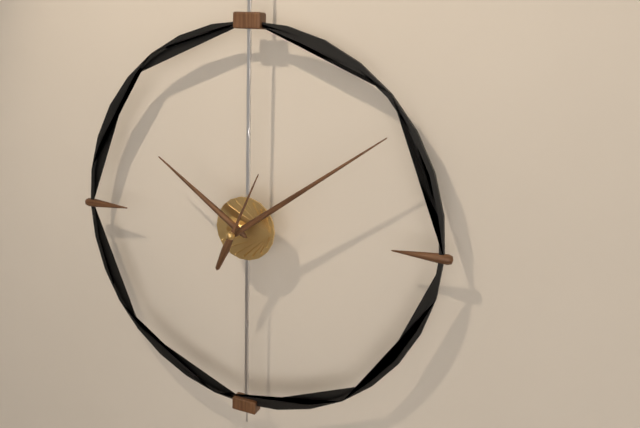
10:09:04
